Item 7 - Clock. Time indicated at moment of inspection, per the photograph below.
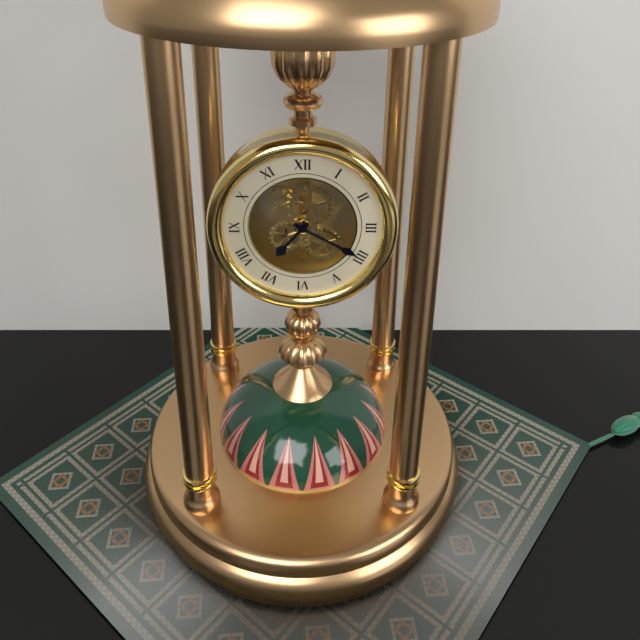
7:20
